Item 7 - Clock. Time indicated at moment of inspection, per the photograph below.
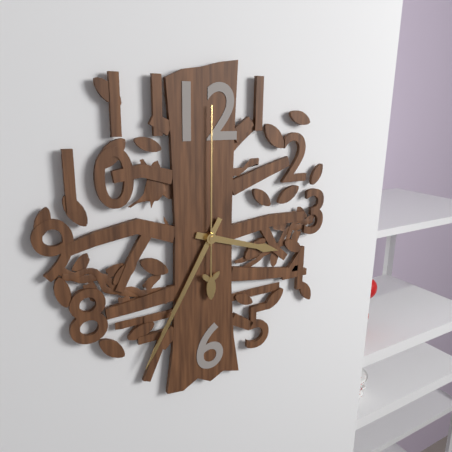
3:35:00
